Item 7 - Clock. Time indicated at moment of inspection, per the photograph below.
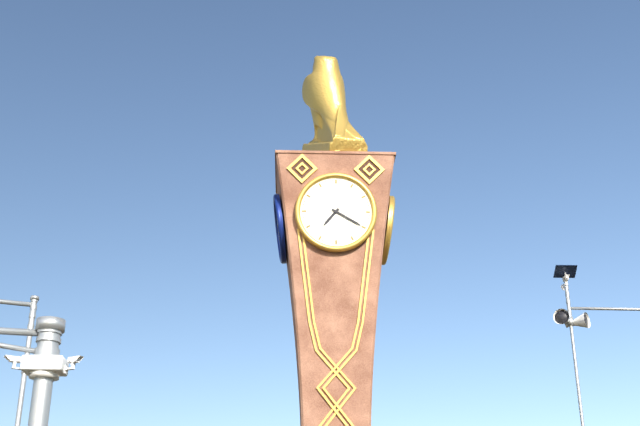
7:20
